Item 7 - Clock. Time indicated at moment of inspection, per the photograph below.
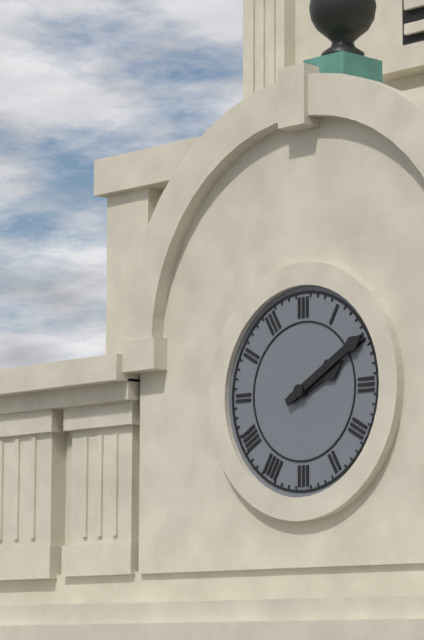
2:10
